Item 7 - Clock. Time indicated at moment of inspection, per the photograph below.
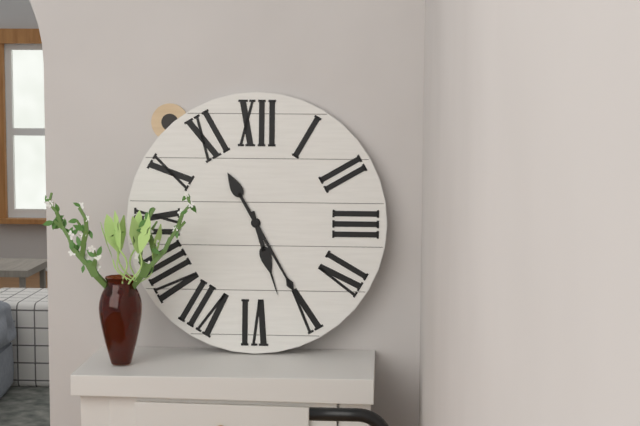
5:25
